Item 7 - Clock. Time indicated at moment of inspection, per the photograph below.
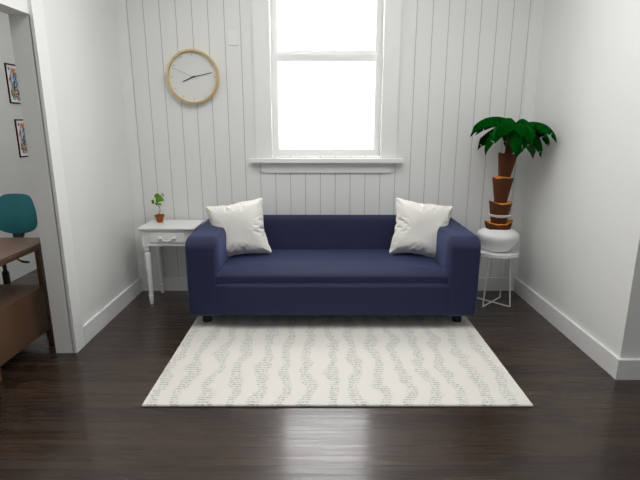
8:13
